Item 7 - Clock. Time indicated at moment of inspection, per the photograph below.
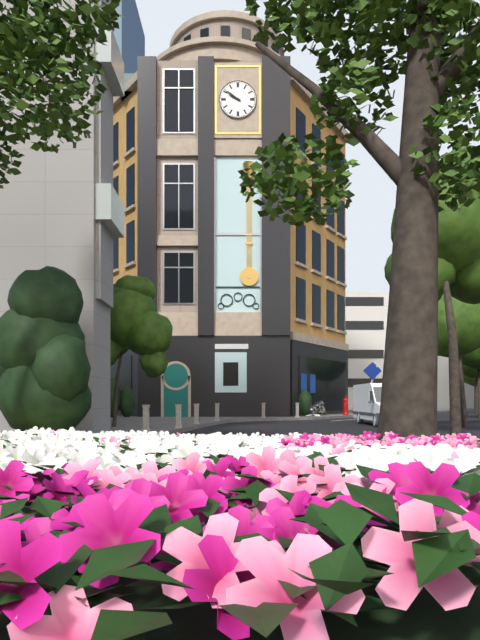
9:51
